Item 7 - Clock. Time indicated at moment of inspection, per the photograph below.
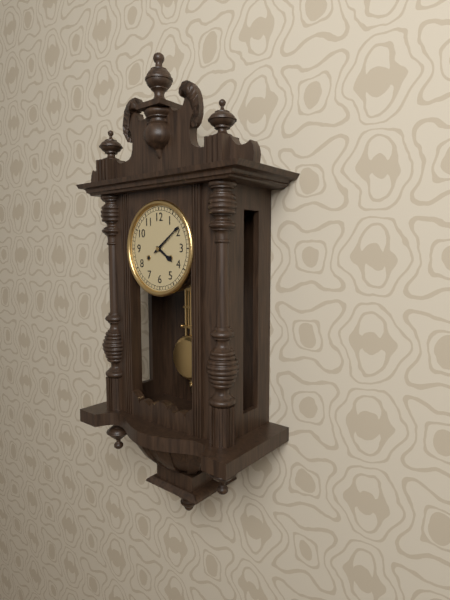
4:09
